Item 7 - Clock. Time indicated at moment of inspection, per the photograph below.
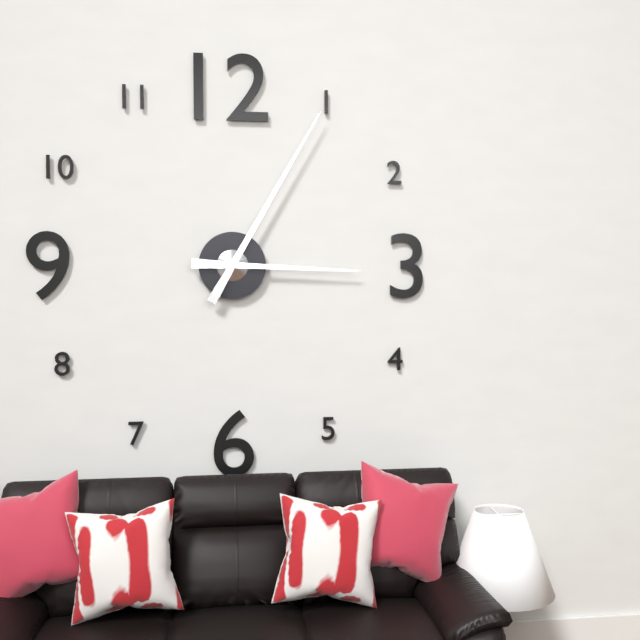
3:05
